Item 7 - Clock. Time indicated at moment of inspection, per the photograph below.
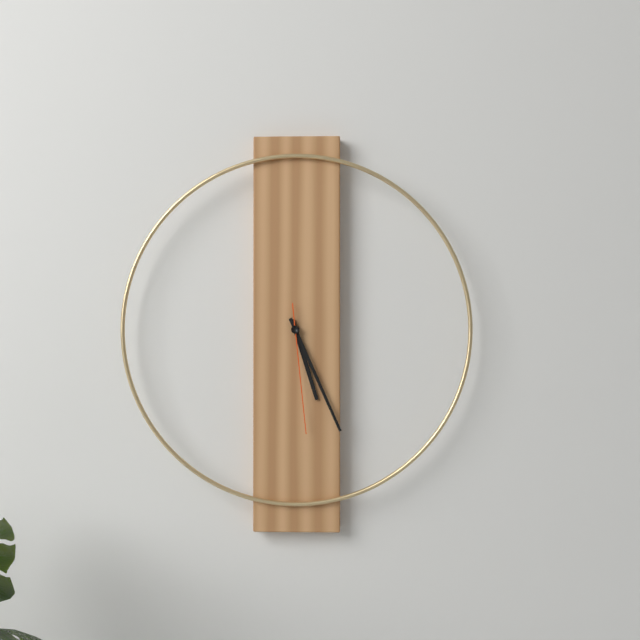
5:26:29
